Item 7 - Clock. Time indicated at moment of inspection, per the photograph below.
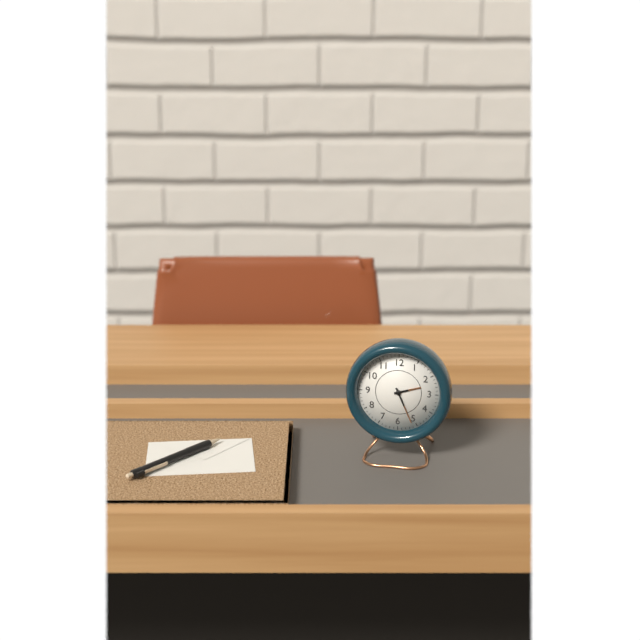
2:26
